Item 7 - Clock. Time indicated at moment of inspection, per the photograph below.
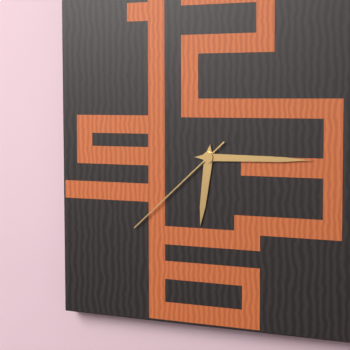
6:15:38
